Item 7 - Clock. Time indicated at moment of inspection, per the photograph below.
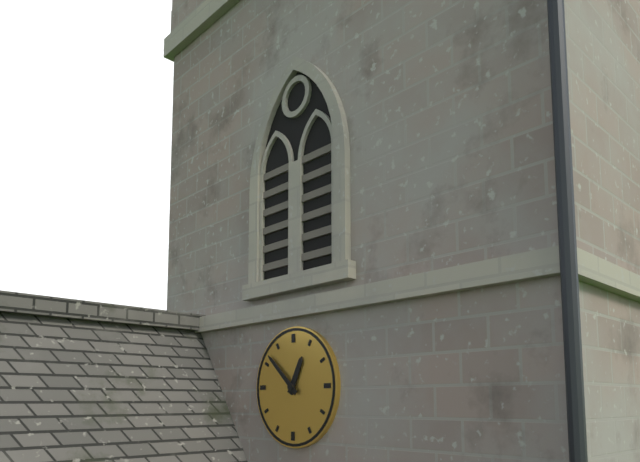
12:52
